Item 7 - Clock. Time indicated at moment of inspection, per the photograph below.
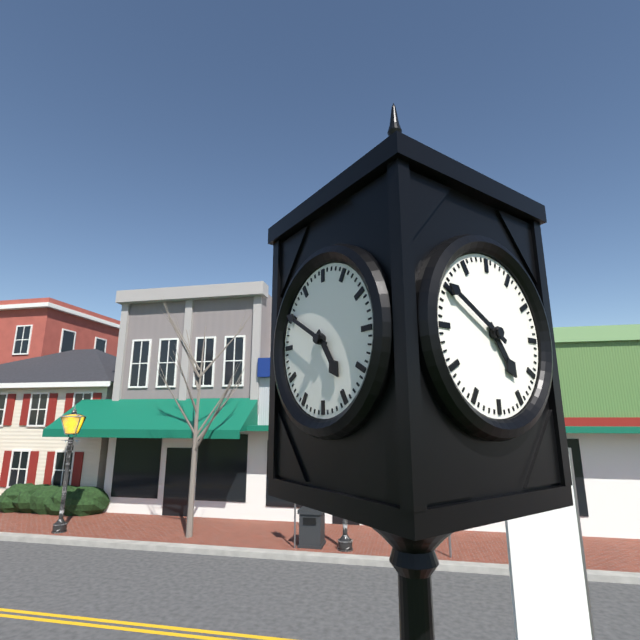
4:50
